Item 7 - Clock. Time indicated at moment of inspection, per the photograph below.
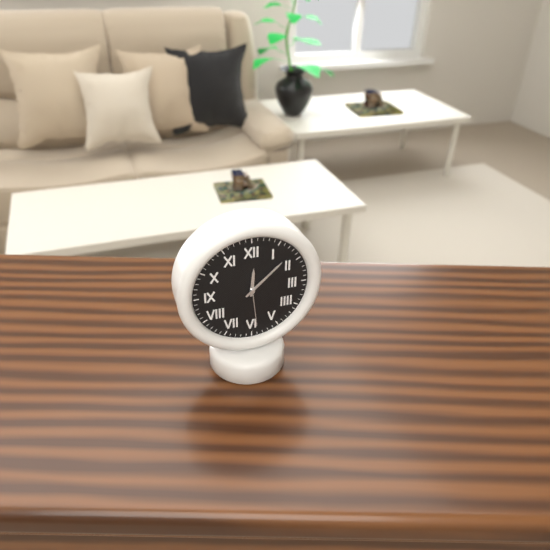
12:08
